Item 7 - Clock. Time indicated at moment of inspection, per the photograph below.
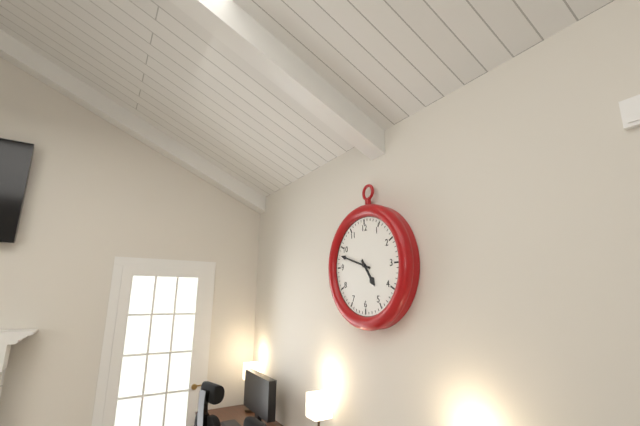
4:48
